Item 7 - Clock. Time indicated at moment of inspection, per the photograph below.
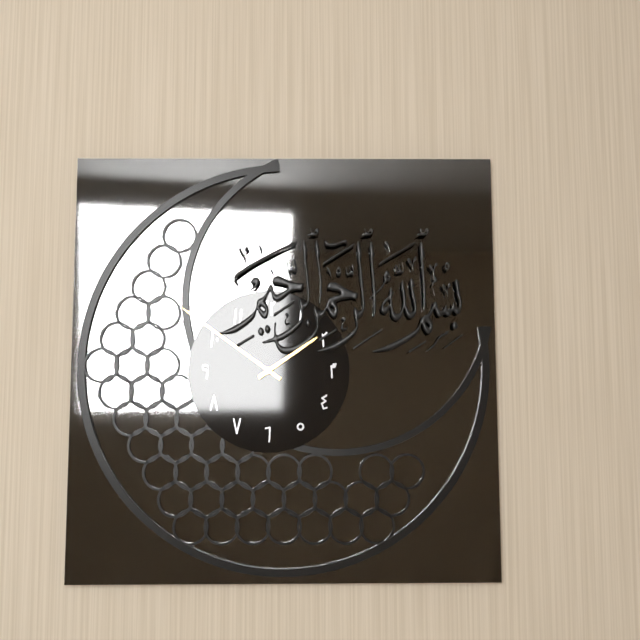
1:51
